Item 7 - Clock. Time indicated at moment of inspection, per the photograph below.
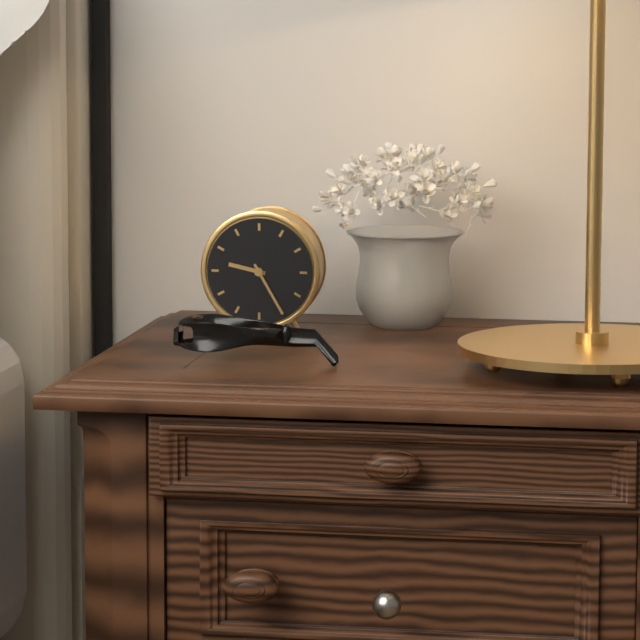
9:25
